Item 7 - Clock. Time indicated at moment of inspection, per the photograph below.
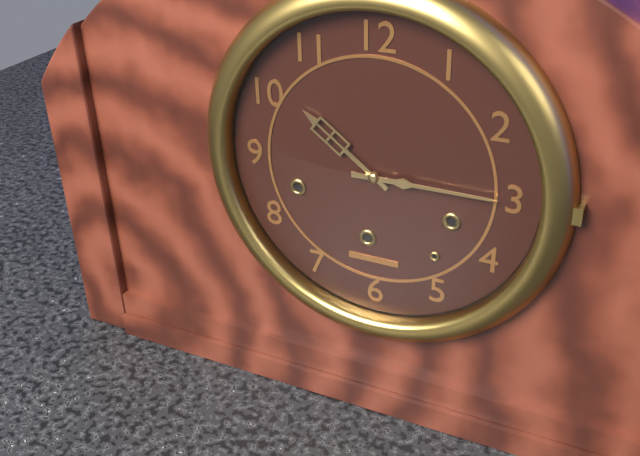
10:15
